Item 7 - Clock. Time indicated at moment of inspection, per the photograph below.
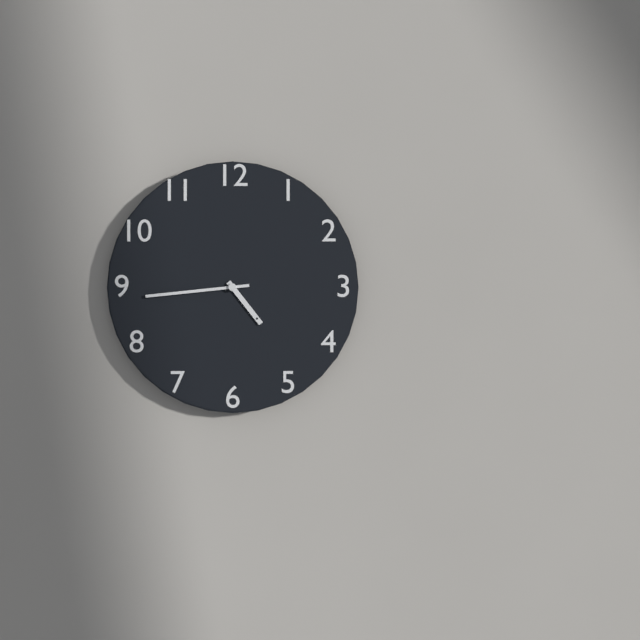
4:44
